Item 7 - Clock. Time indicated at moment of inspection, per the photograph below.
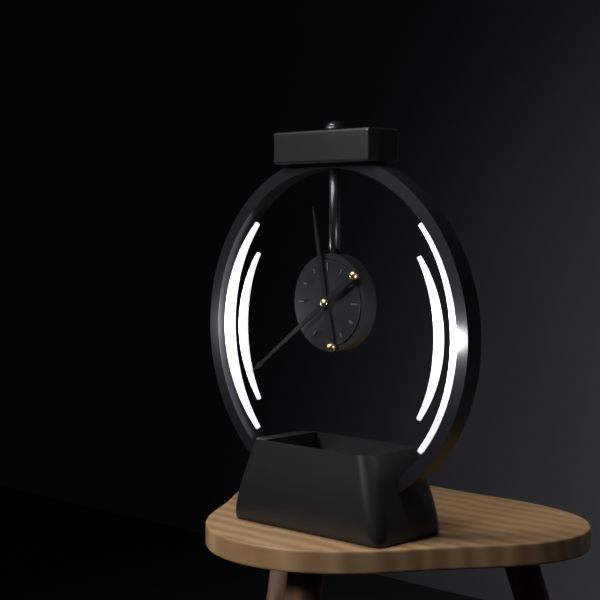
11:39
